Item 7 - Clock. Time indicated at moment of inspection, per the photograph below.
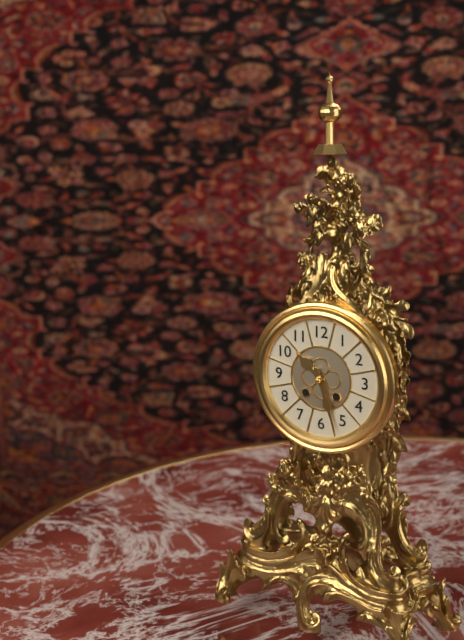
10:27
